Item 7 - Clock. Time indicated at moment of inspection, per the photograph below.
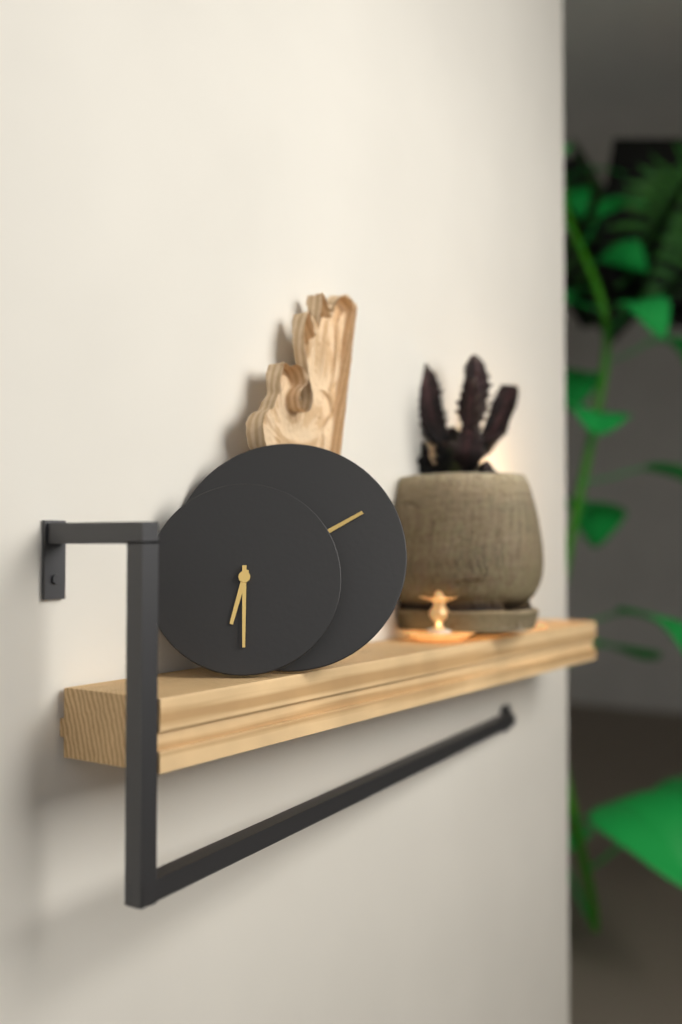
6:30
